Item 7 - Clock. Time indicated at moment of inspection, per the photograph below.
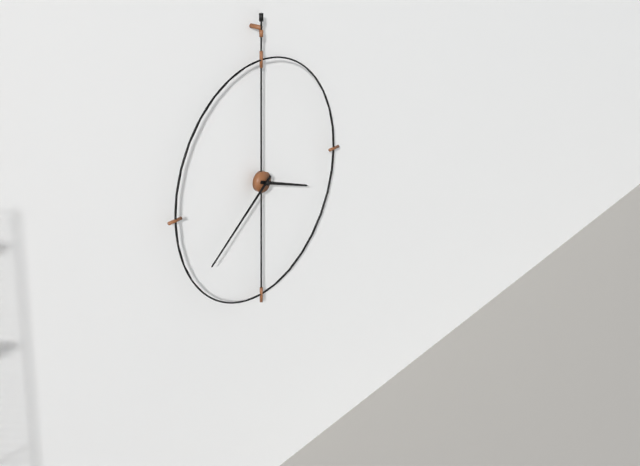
3:39
